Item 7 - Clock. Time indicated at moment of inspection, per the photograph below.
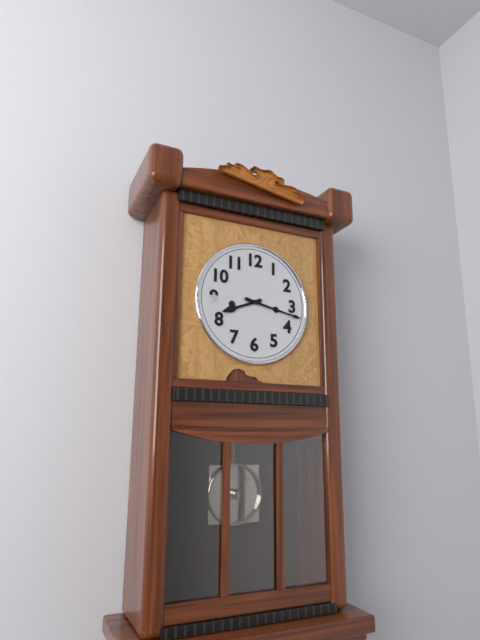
8:17
